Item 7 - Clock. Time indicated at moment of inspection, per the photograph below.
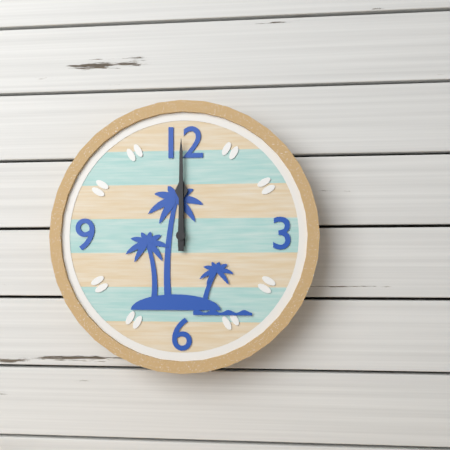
12:00
